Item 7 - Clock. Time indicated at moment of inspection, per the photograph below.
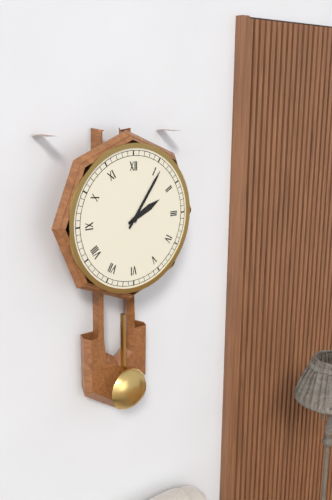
2:06
